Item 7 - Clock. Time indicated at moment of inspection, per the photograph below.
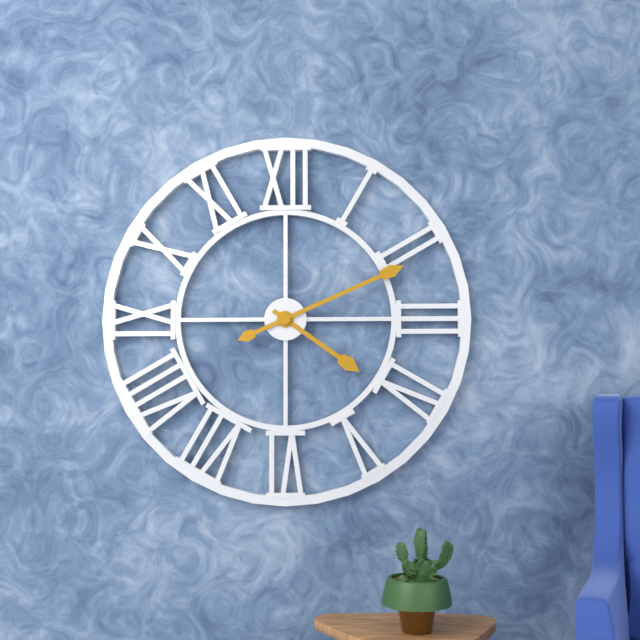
4:11
